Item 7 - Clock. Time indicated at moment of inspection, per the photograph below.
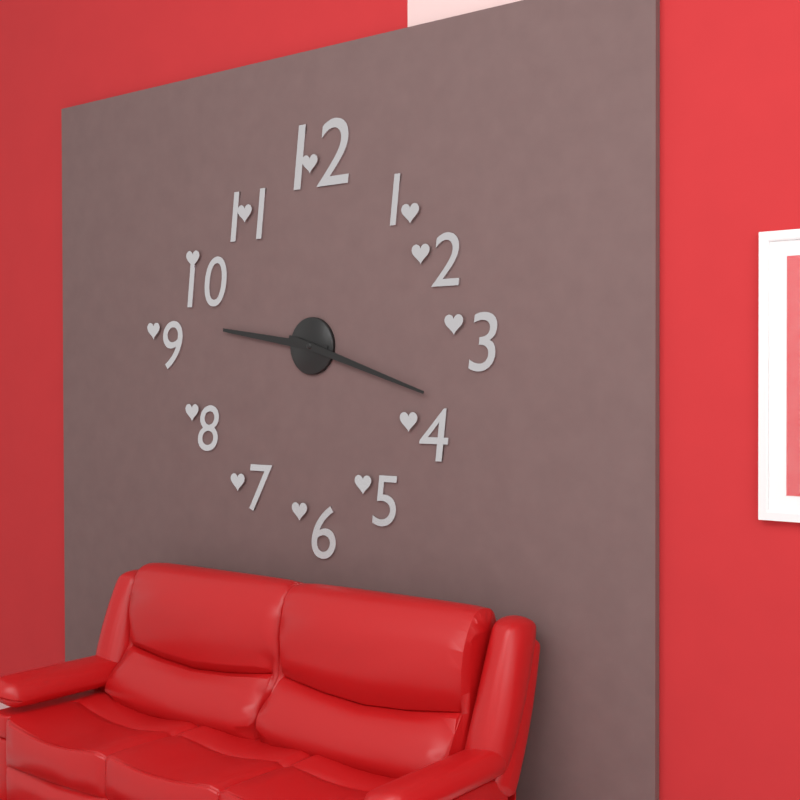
9:18
